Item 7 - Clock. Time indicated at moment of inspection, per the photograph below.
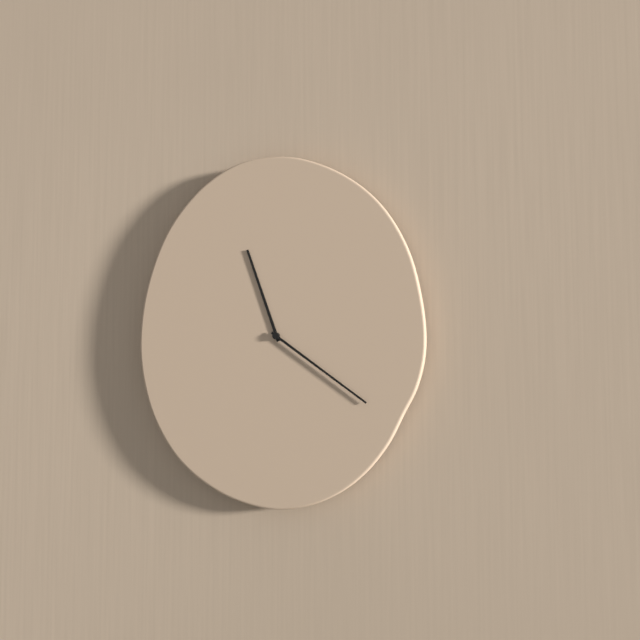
11:21
